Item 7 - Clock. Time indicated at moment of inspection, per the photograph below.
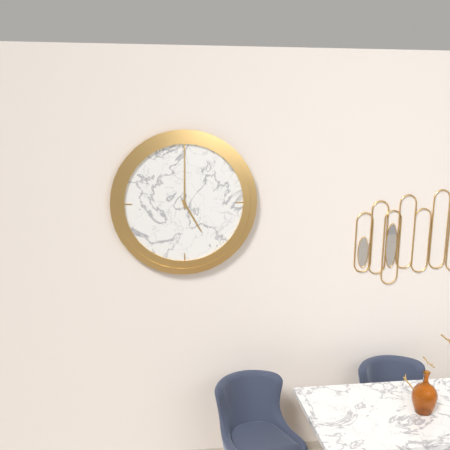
5:00
